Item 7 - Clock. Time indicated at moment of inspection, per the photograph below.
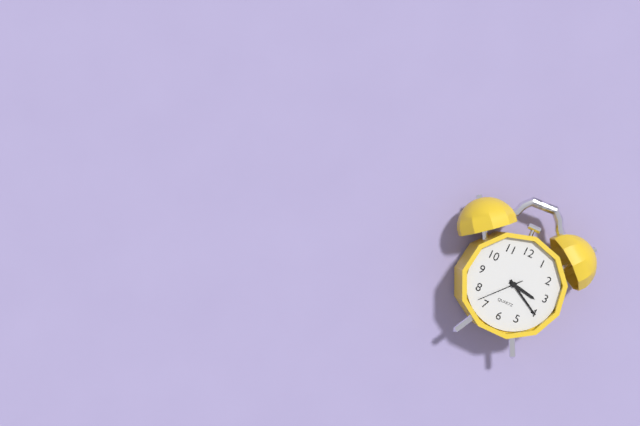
3:20
